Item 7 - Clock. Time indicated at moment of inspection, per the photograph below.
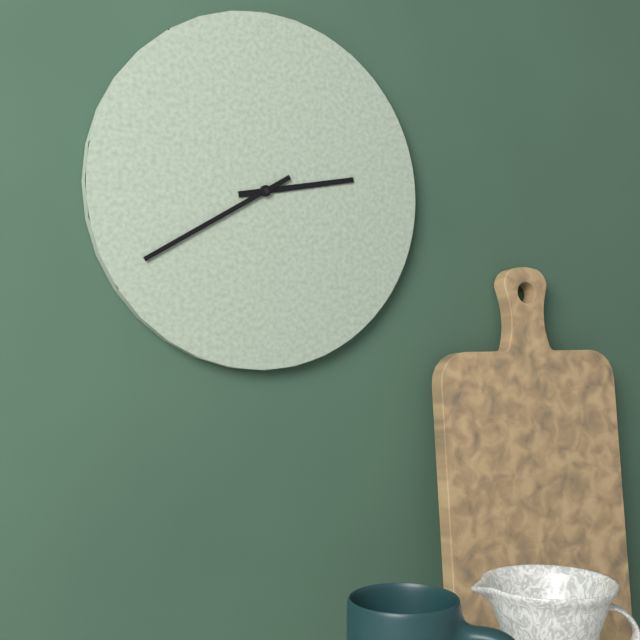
2:40
